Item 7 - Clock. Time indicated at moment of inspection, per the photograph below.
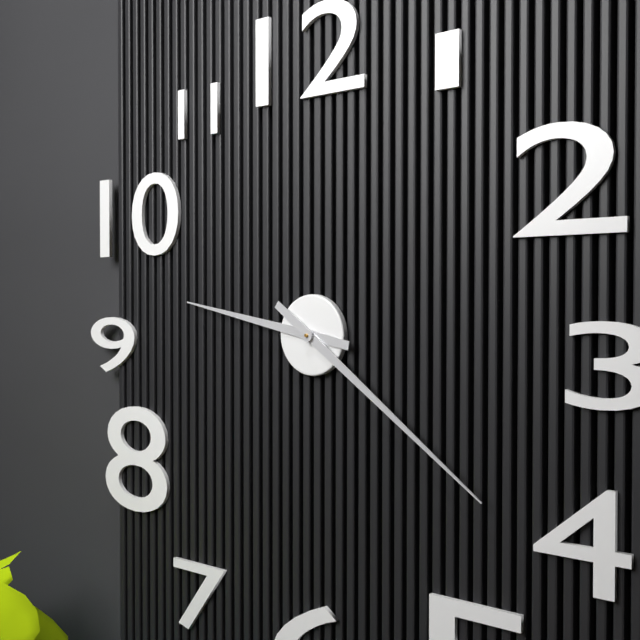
9:21
